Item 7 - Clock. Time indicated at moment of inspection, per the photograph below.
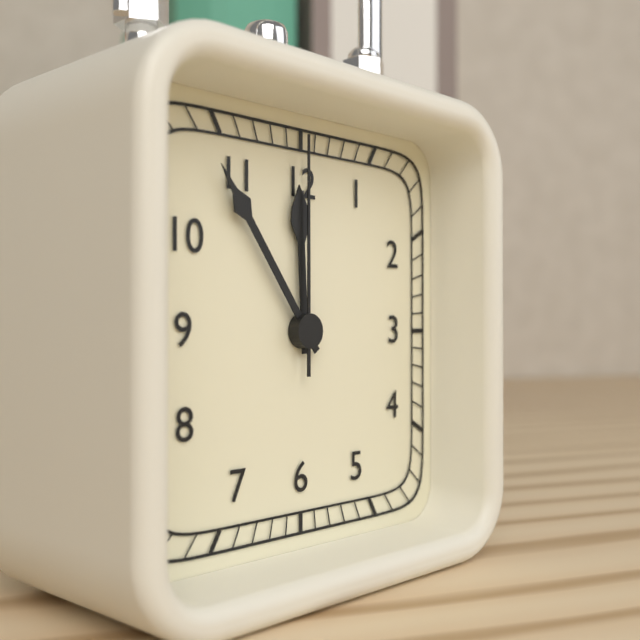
11:54:00
